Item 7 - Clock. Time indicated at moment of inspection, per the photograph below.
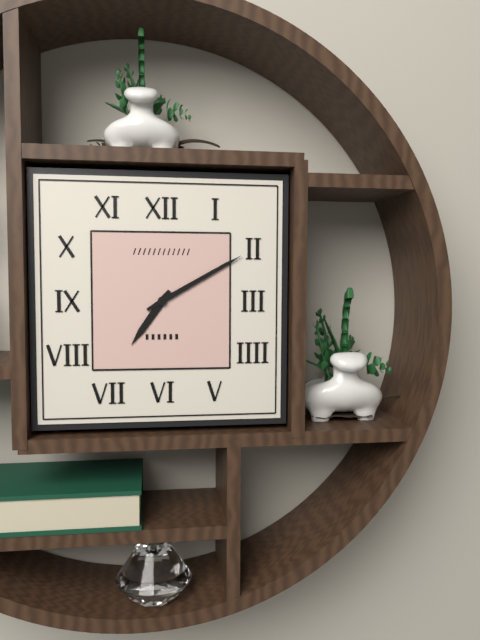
7:10
